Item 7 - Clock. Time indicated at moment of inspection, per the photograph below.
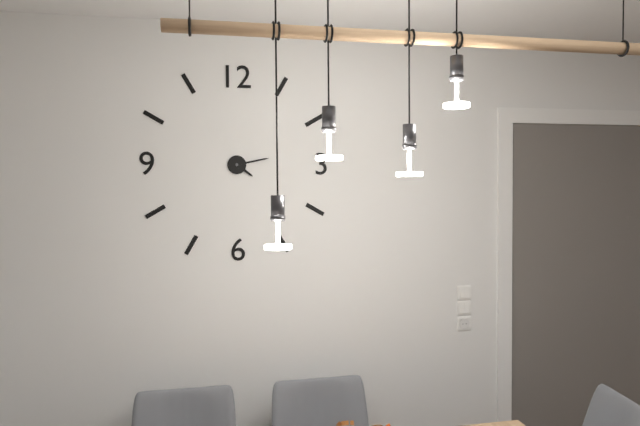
4:13
